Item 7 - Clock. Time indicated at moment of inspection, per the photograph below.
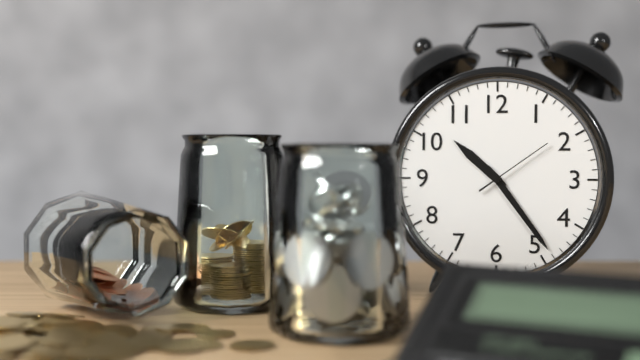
10:24:09
